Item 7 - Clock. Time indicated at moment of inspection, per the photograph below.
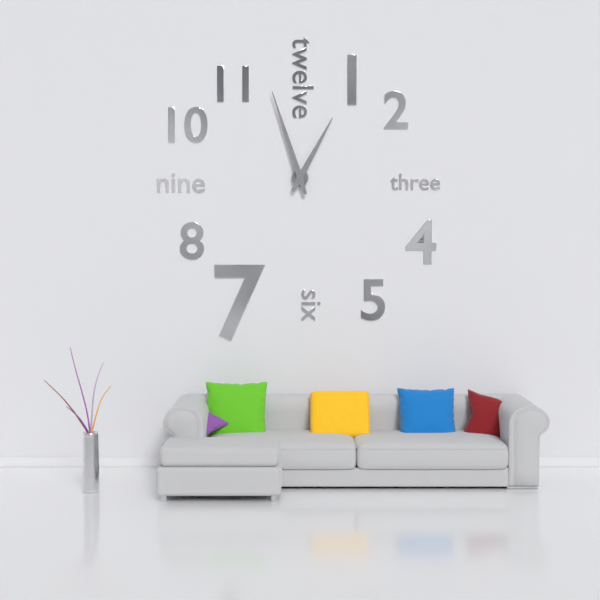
12:57
